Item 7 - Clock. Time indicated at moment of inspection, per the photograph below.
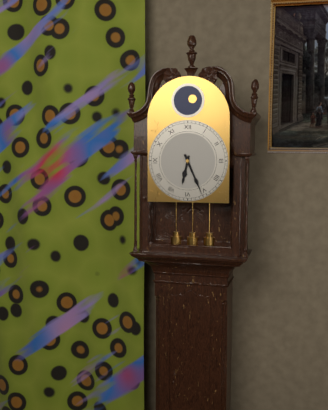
6:26
